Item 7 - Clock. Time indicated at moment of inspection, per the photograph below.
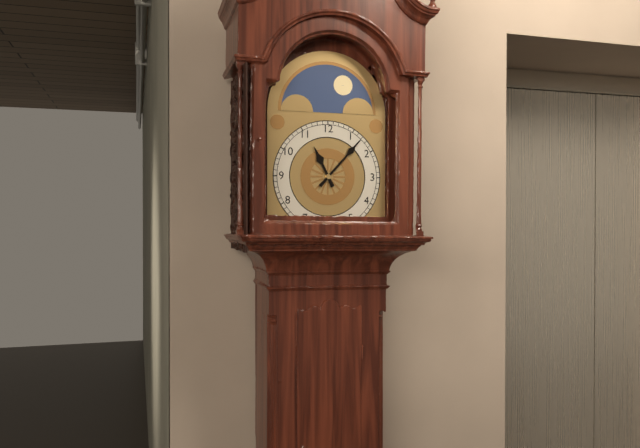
11:07
